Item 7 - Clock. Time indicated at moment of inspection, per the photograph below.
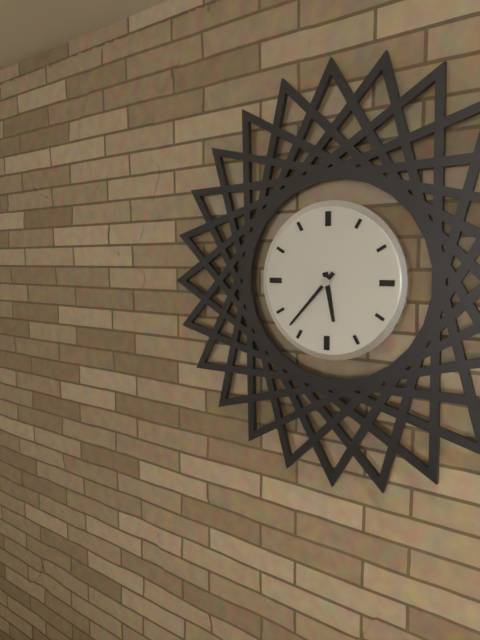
5:37
